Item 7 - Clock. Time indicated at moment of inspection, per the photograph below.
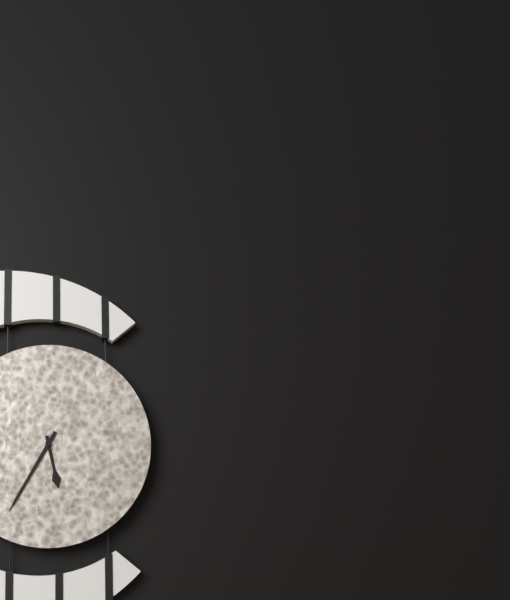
5:35
